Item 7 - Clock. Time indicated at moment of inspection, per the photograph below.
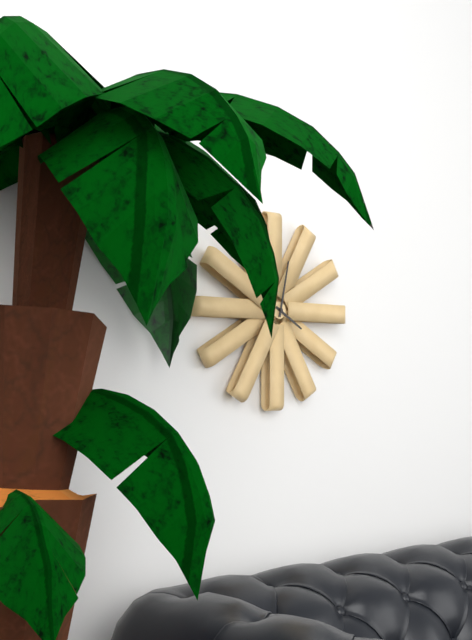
4:02
